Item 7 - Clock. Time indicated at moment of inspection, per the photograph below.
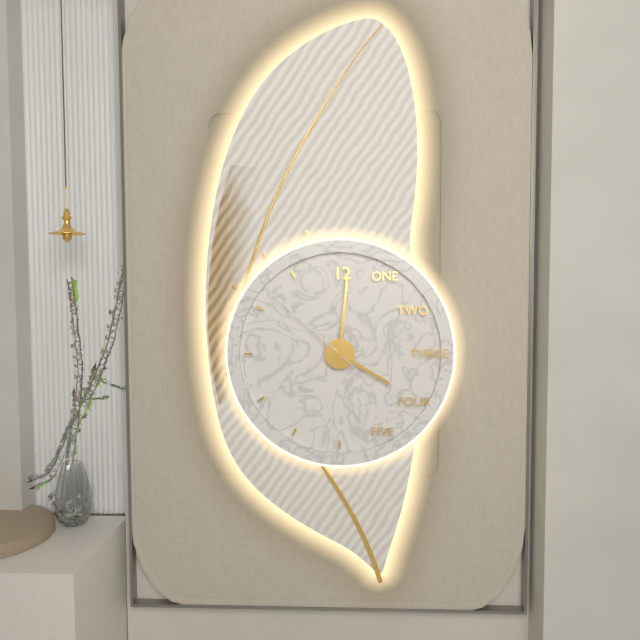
4:01:52
